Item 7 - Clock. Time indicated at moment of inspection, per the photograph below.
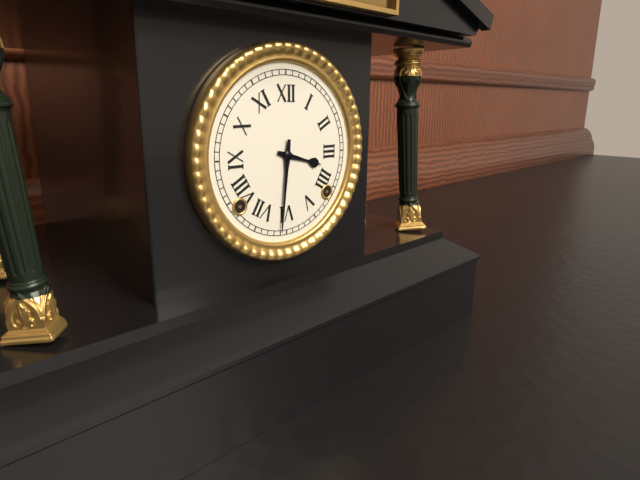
3:31
